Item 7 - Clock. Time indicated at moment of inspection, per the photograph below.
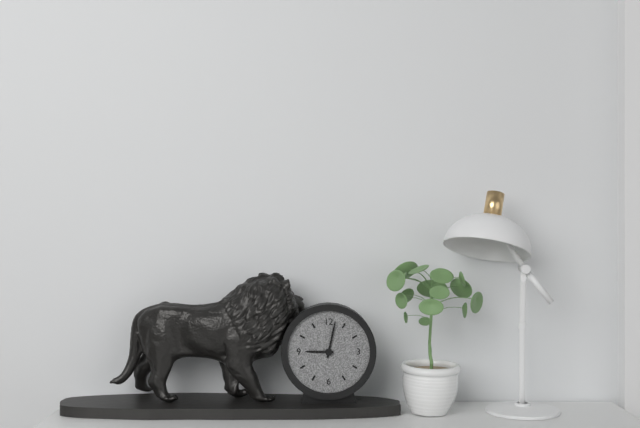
9:02
